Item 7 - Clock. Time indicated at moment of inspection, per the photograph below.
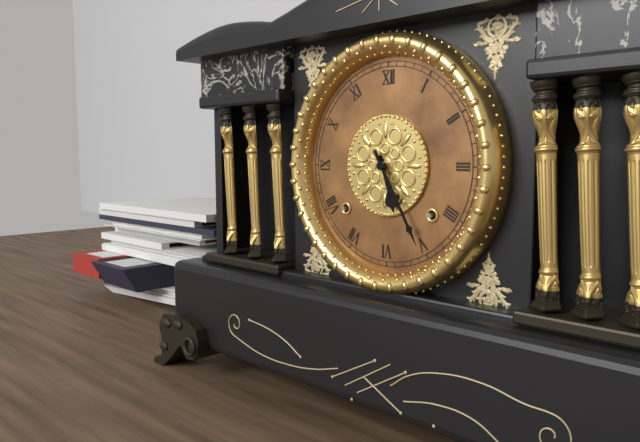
5:25
